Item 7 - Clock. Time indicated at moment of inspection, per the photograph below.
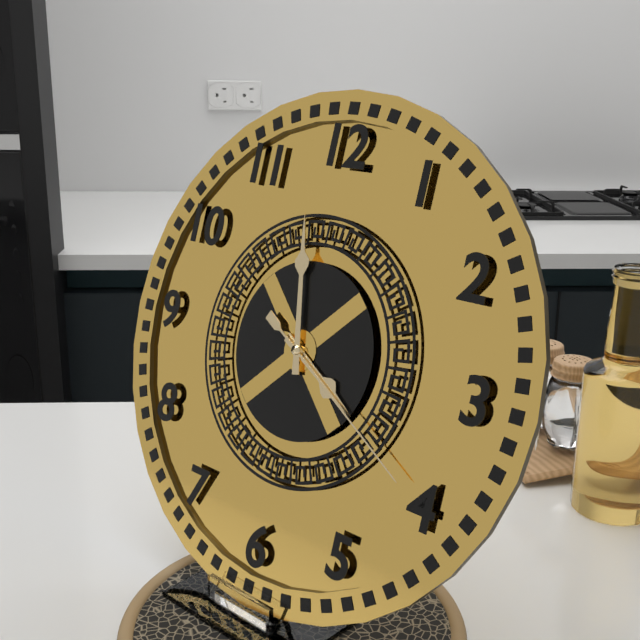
3:58:20
